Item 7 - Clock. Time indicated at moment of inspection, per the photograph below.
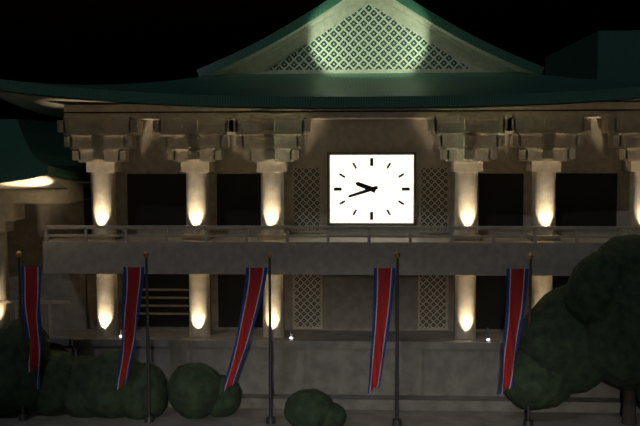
9:42
